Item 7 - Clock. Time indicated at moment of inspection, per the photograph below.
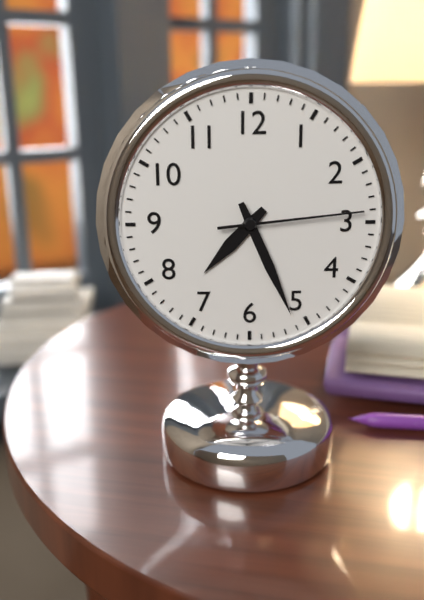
7:26:14
